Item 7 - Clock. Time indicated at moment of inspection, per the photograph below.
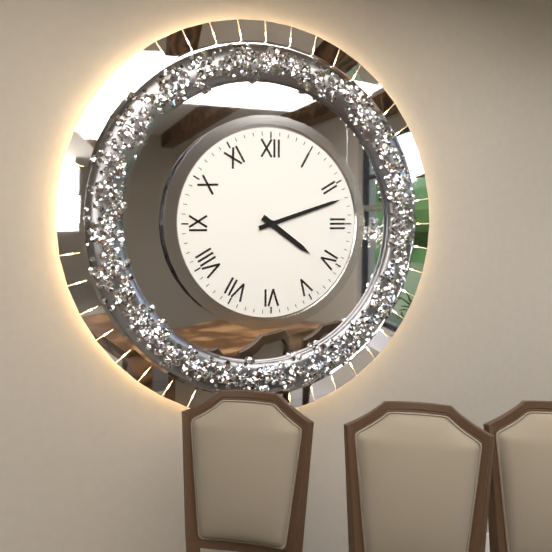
4:12
